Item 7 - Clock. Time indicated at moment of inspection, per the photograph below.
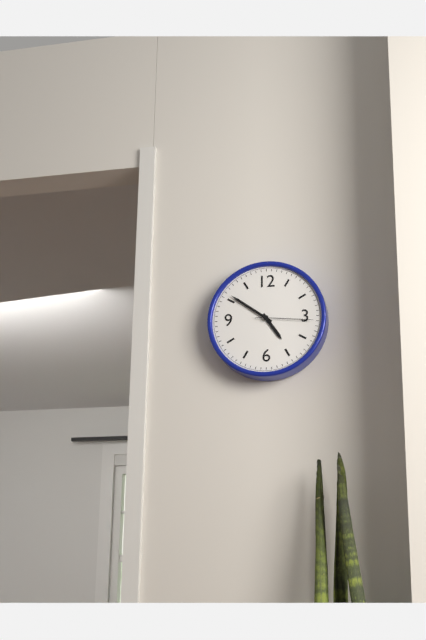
4:51:16
